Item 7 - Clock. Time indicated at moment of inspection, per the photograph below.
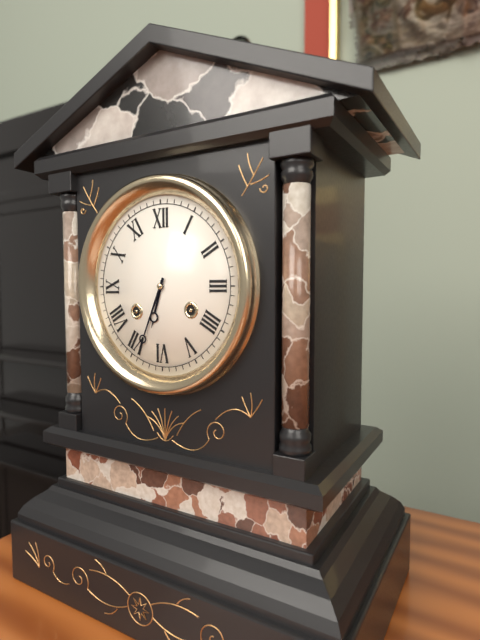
6:34
